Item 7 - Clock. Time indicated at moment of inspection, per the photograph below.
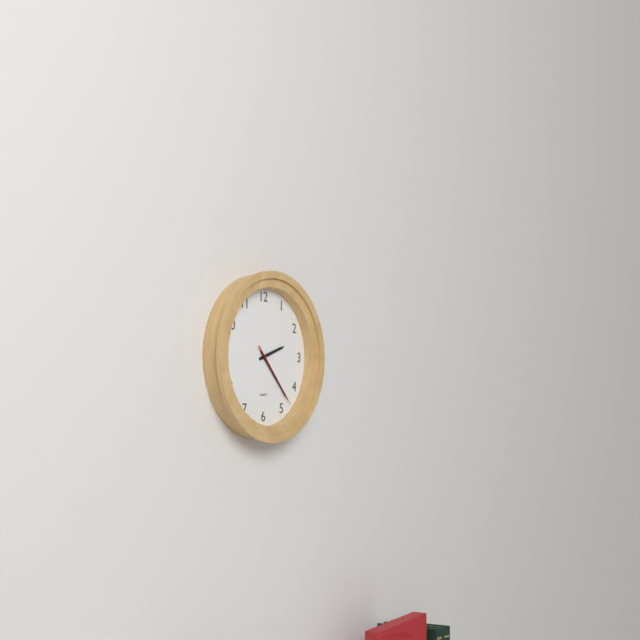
2:23:23
